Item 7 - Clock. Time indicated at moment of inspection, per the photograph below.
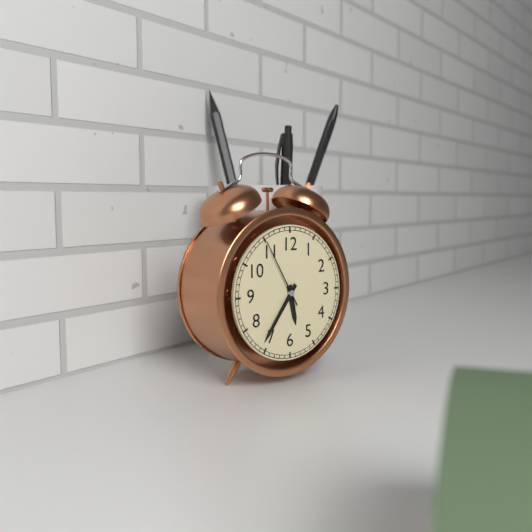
5:36:55
